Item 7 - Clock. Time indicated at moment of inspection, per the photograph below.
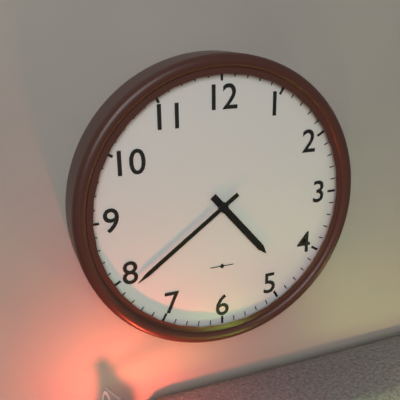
4:39
